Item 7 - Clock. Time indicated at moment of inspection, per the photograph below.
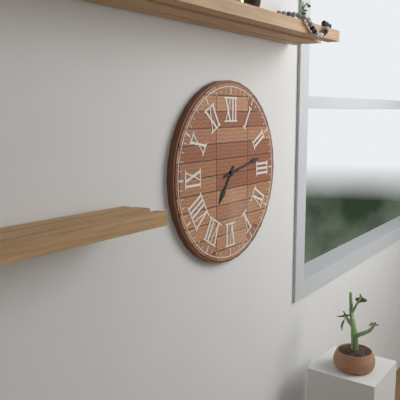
7:13
